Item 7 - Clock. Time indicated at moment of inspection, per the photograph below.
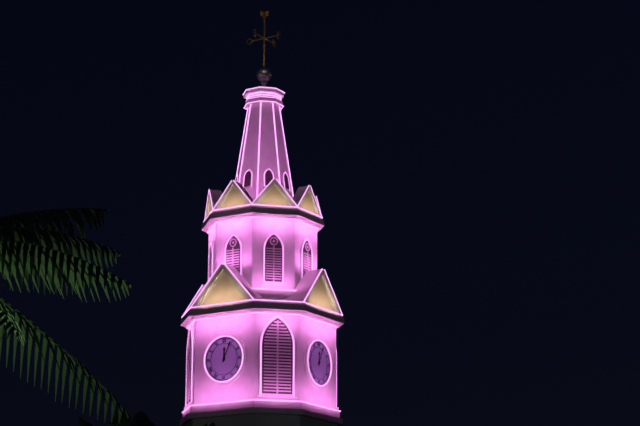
12:04
